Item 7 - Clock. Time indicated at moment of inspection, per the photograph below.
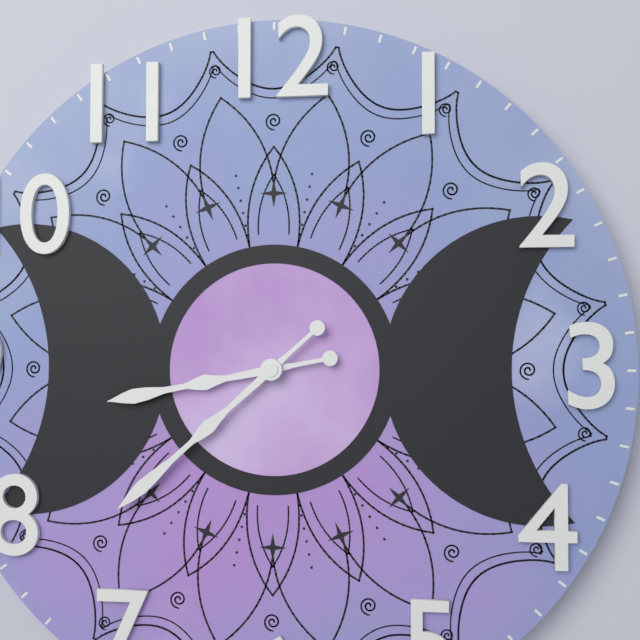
8:38
